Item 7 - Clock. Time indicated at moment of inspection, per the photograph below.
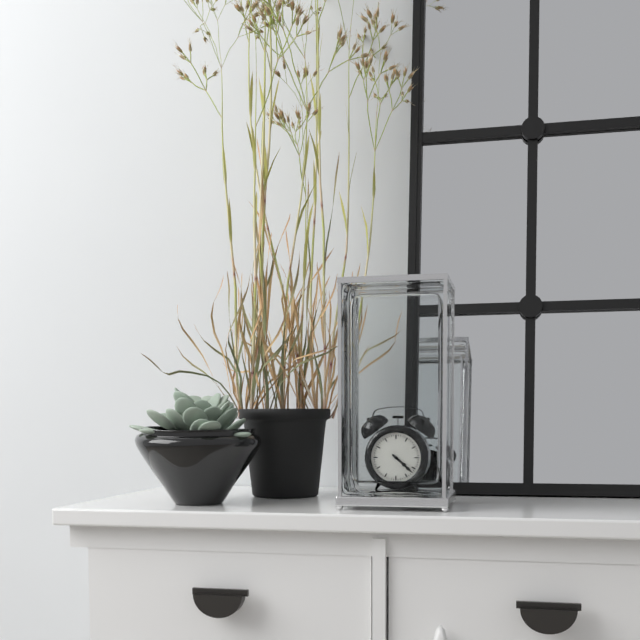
4:22
